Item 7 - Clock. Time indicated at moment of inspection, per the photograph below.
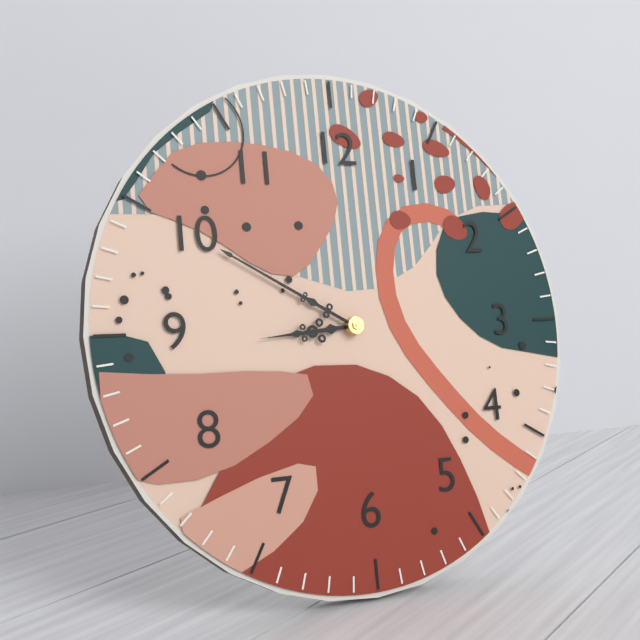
8:50
